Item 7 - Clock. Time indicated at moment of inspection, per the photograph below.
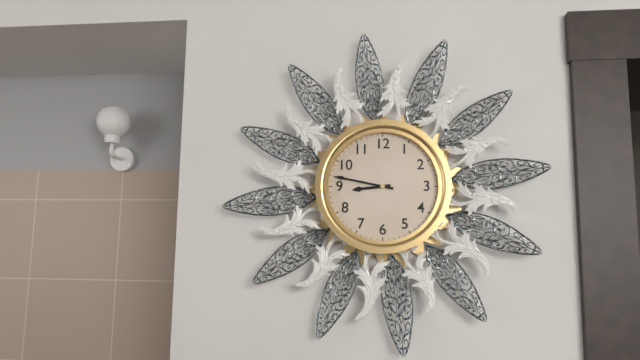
8:47
